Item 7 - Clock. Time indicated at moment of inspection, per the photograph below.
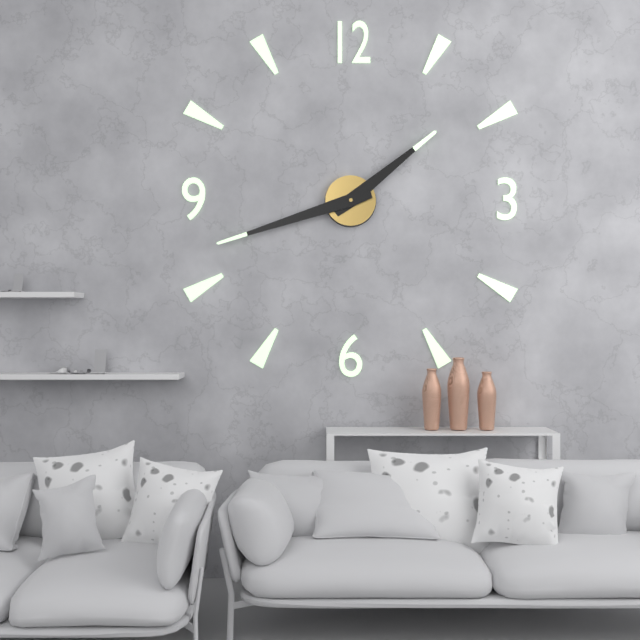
1:42
